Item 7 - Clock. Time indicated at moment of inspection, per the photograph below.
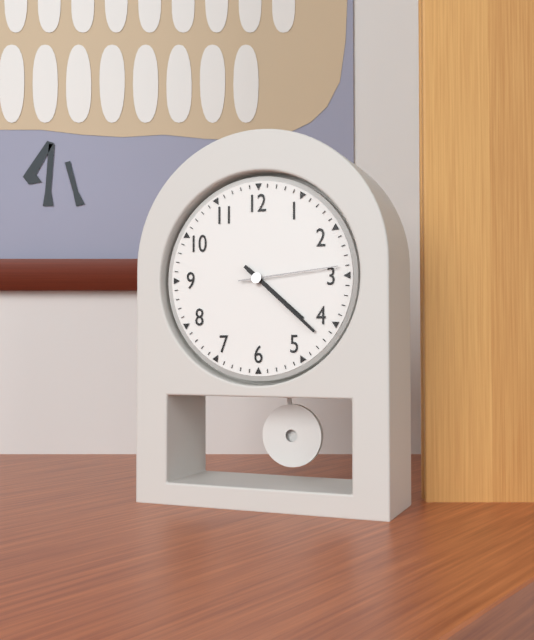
4:22:14
